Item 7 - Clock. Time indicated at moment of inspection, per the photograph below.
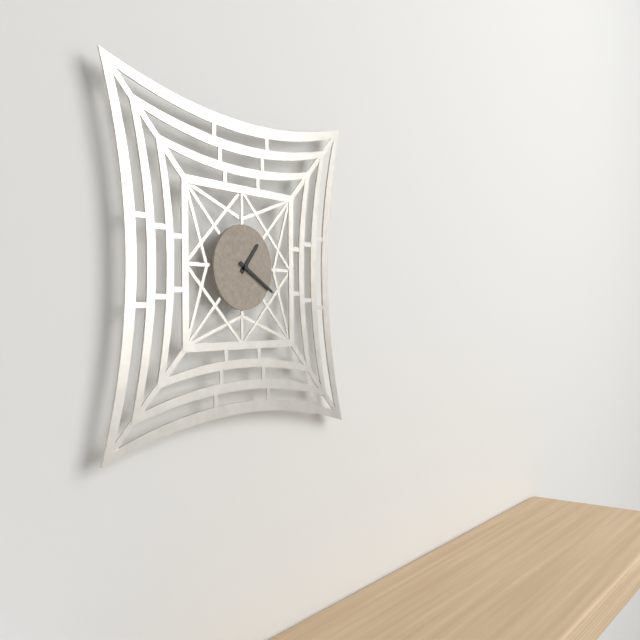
1:20
